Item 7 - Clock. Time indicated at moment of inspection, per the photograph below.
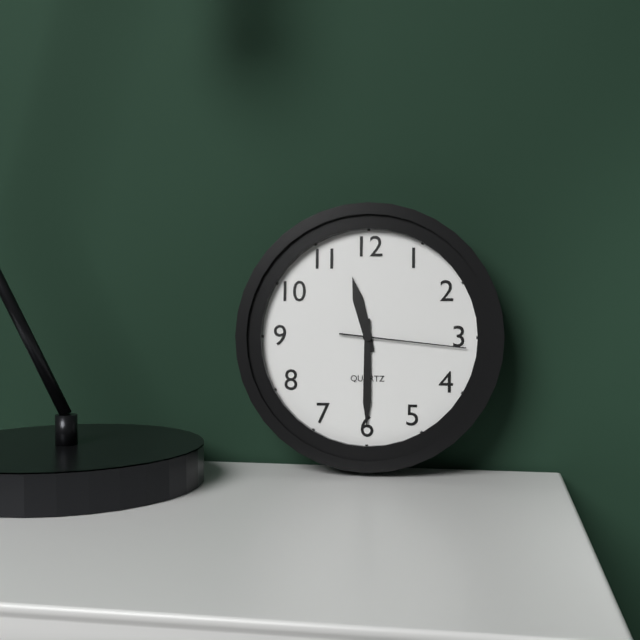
11:30:16
